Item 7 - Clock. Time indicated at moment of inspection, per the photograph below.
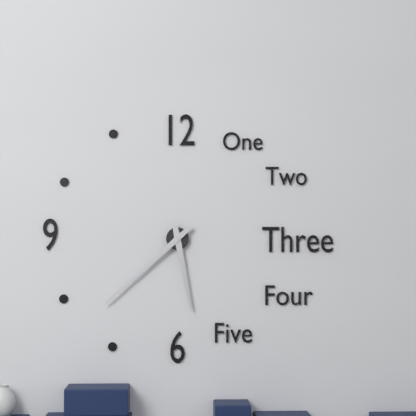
5:38
